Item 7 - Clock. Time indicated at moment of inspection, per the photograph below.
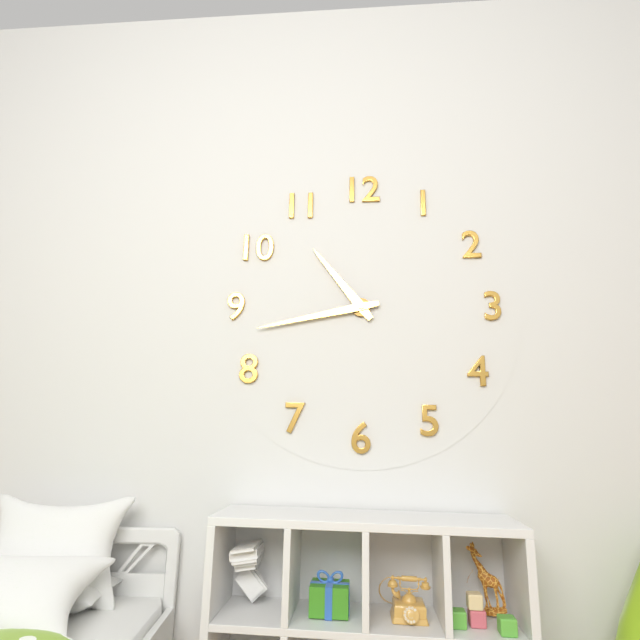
10:43
